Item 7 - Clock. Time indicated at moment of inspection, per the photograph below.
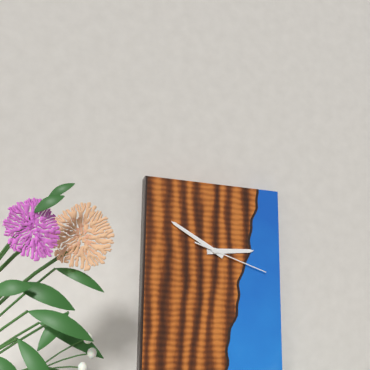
2:50:18
